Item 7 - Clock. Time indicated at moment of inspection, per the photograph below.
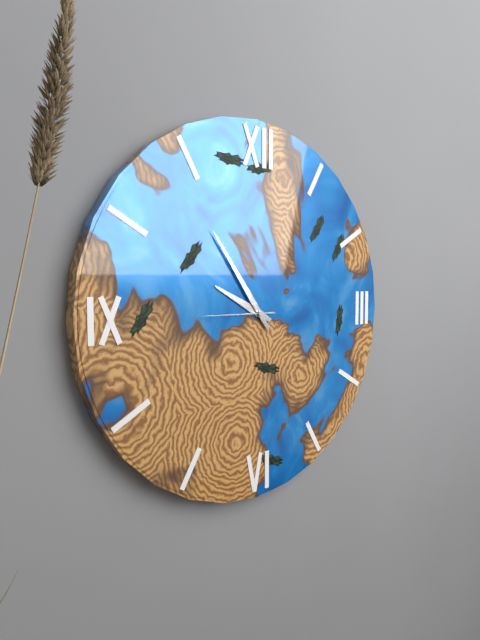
9:54:45
